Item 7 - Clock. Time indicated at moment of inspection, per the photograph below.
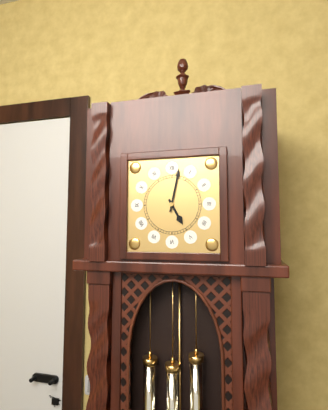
5:02
